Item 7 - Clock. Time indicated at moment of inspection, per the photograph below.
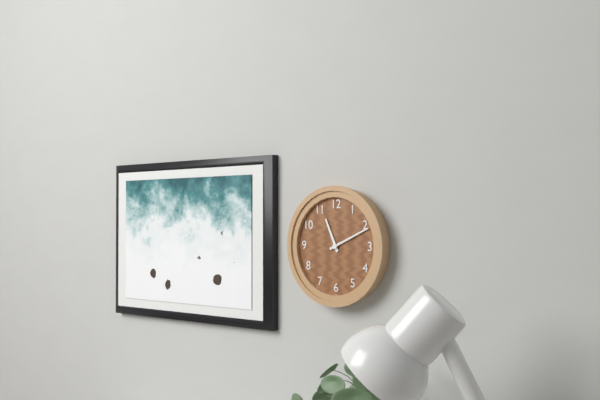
11:11
